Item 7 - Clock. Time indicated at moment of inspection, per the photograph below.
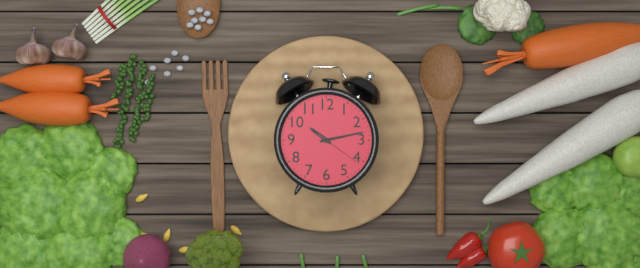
10:13
